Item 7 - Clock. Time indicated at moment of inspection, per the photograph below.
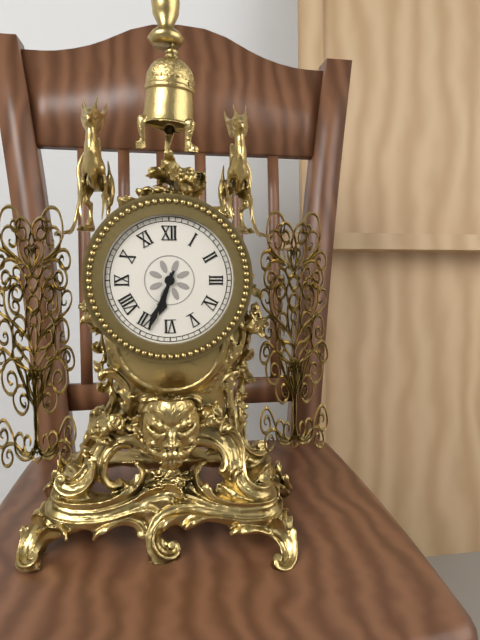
6:34
